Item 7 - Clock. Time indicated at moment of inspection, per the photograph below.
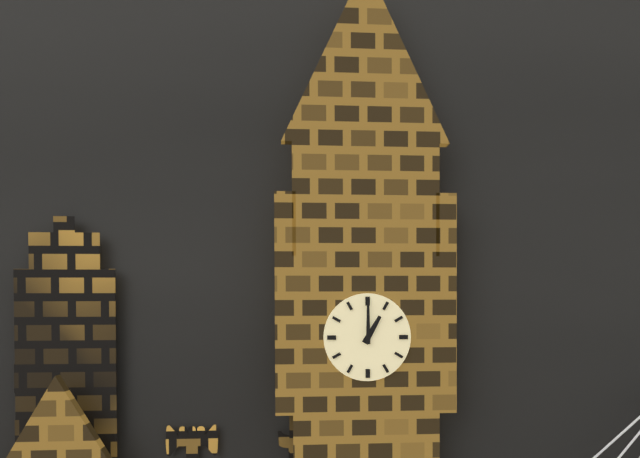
1:00
